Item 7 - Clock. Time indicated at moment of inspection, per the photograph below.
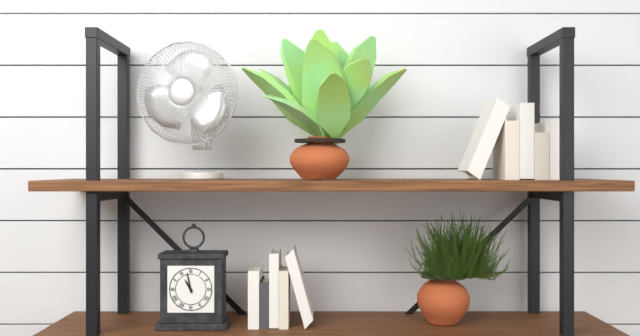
10:58
